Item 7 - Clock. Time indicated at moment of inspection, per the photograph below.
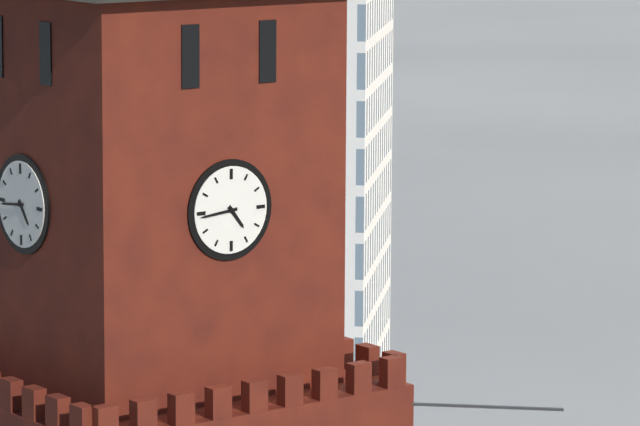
4:44
